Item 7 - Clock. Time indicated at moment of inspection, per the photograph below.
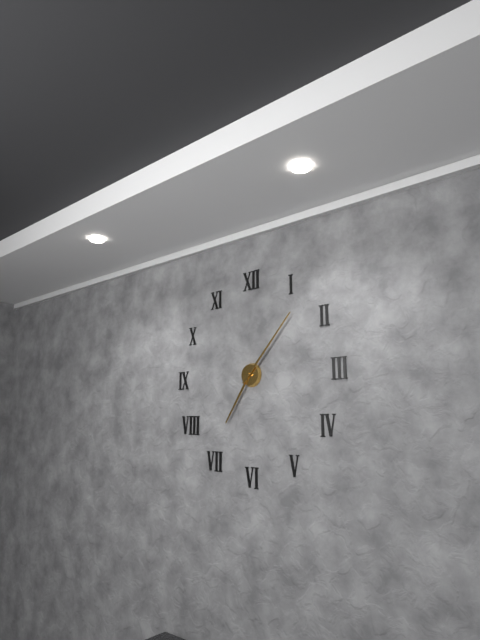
7:07
